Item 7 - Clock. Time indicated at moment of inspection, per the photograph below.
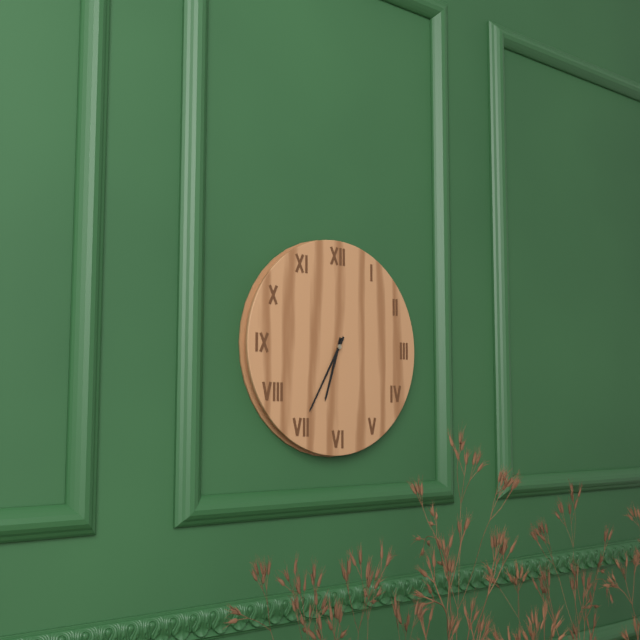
6:35
